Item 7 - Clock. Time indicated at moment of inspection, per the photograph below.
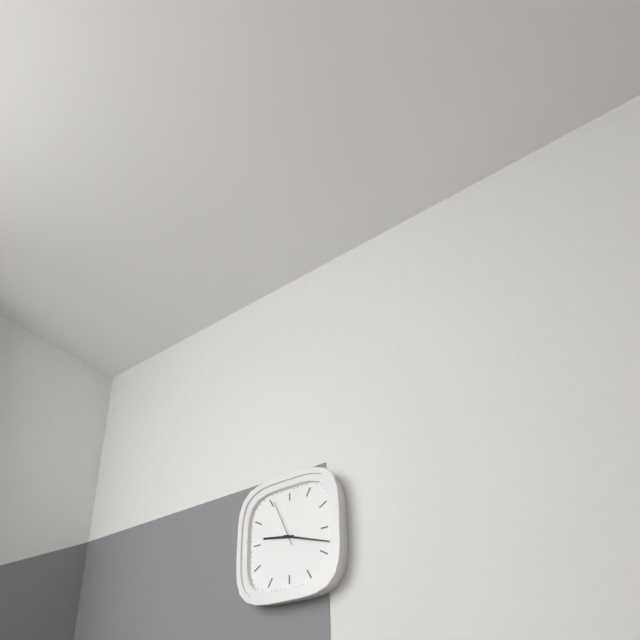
9:18
